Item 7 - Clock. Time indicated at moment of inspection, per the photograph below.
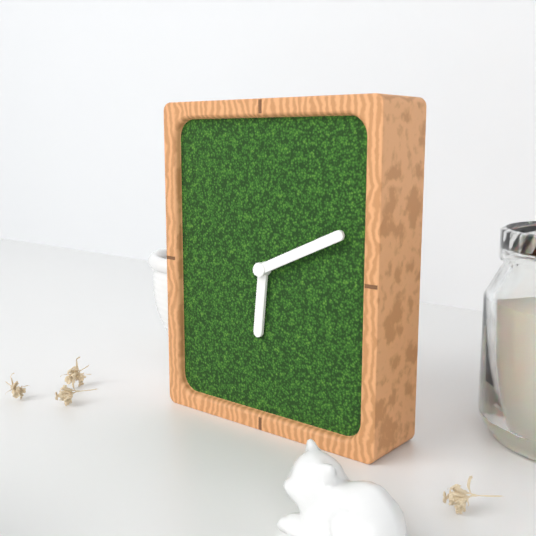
6:11
